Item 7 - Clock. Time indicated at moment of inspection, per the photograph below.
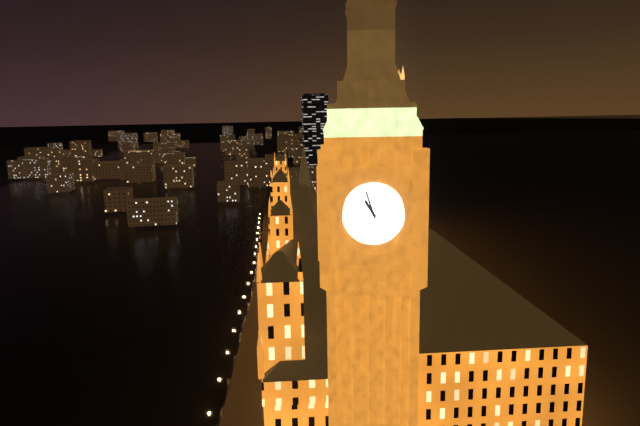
10:57
